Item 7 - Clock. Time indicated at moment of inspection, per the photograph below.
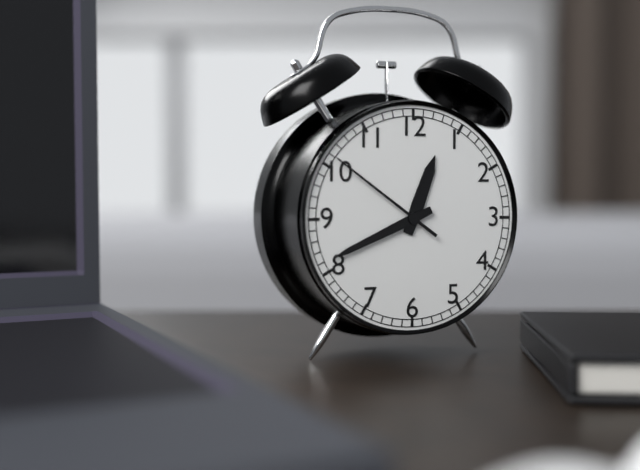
12:41:51
